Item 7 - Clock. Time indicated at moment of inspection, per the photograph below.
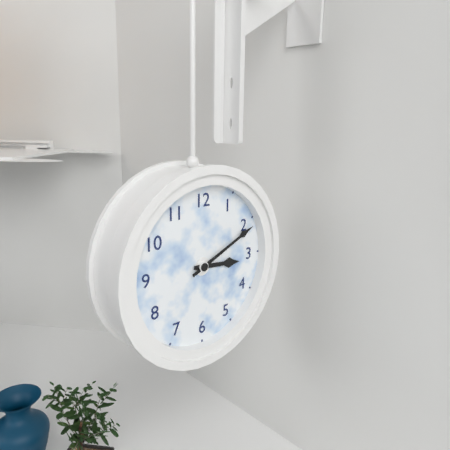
3:11
